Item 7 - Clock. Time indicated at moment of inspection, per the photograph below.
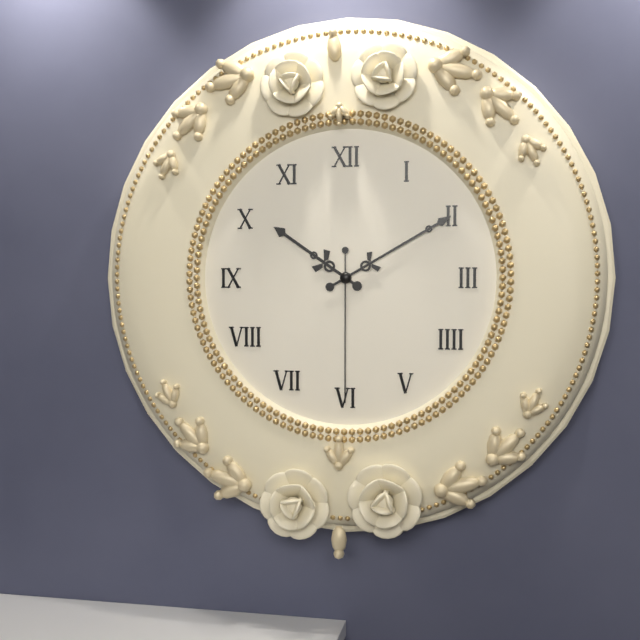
10:10:30
